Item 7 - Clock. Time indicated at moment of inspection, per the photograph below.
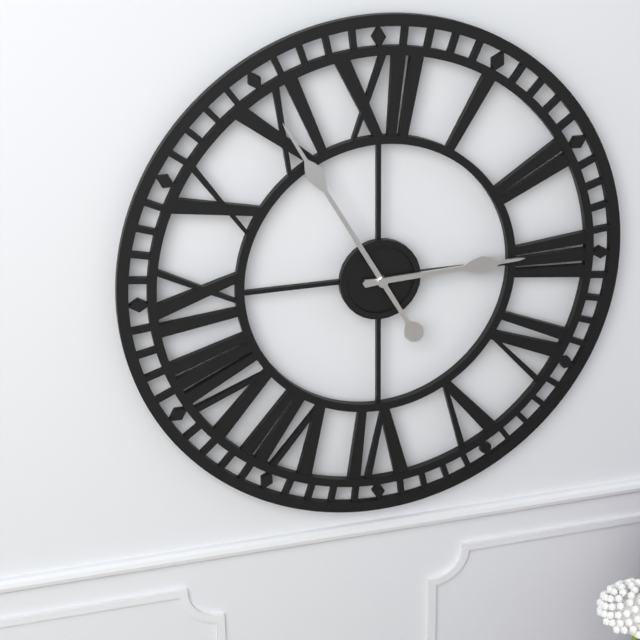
2:55
